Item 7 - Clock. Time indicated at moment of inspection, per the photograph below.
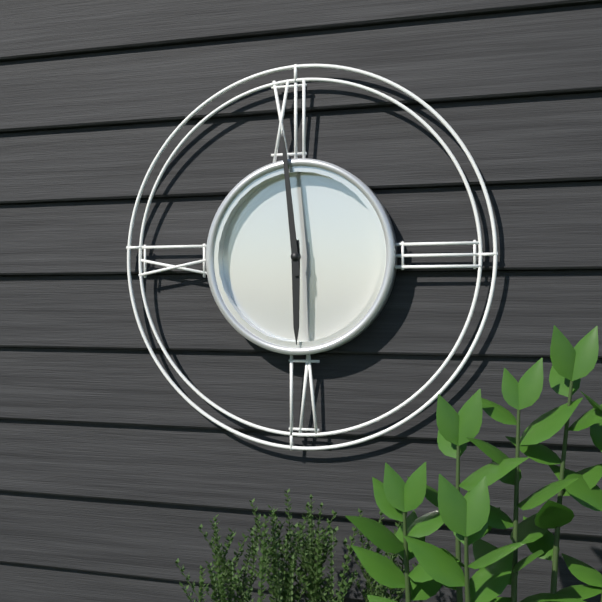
5:59
